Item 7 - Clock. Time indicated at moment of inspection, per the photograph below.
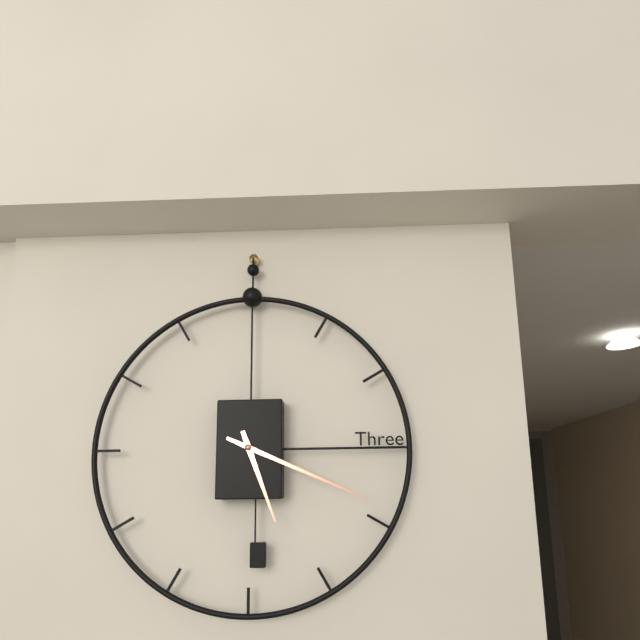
5:19
